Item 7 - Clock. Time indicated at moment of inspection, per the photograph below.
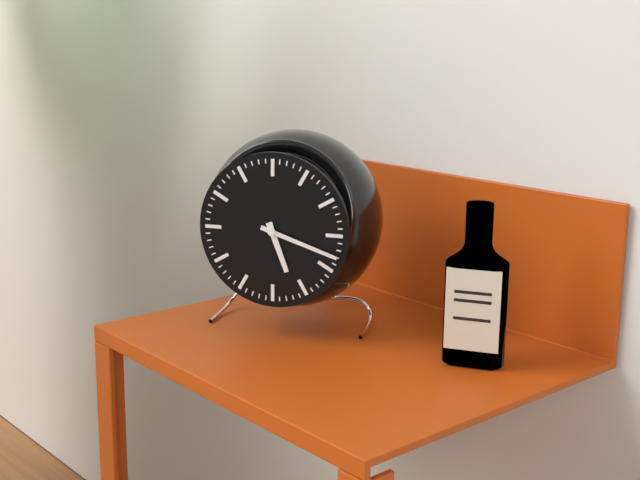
5:18
